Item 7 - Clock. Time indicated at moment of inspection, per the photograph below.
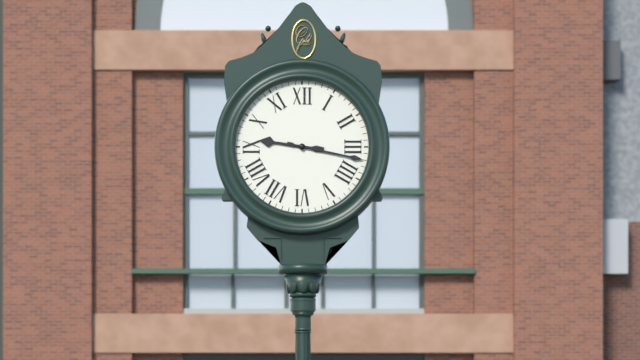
9:17
